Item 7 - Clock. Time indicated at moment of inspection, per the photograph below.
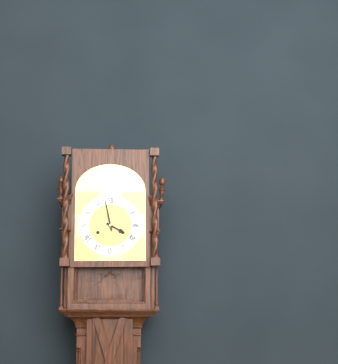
3:58
